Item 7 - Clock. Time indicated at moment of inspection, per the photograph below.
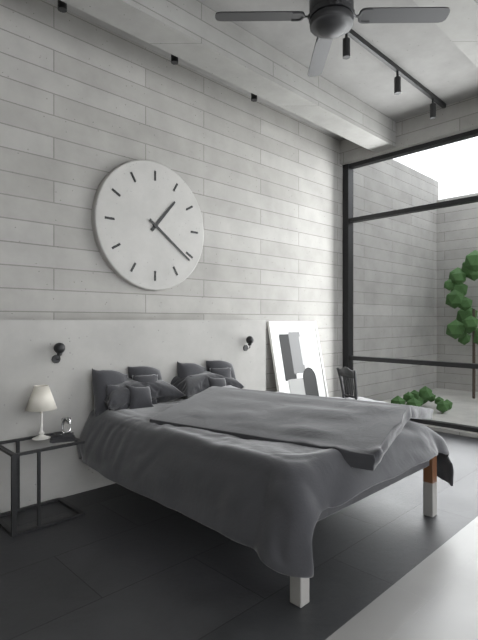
1:21
